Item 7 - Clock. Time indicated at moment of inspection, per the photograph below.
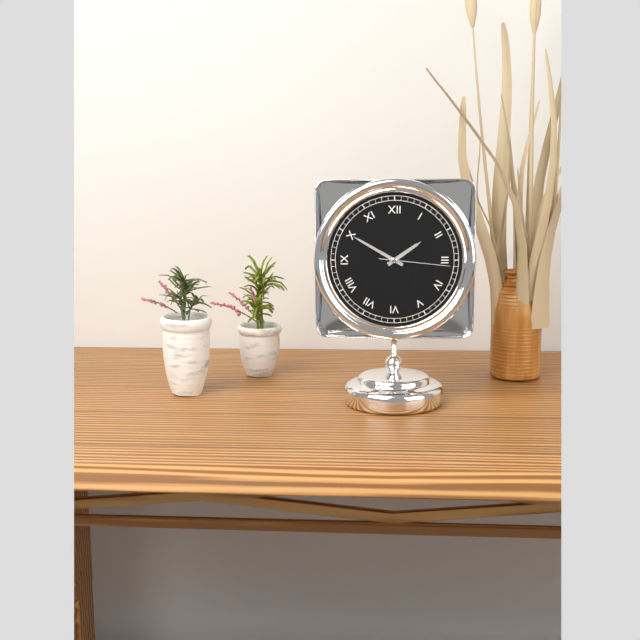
1:50:16
